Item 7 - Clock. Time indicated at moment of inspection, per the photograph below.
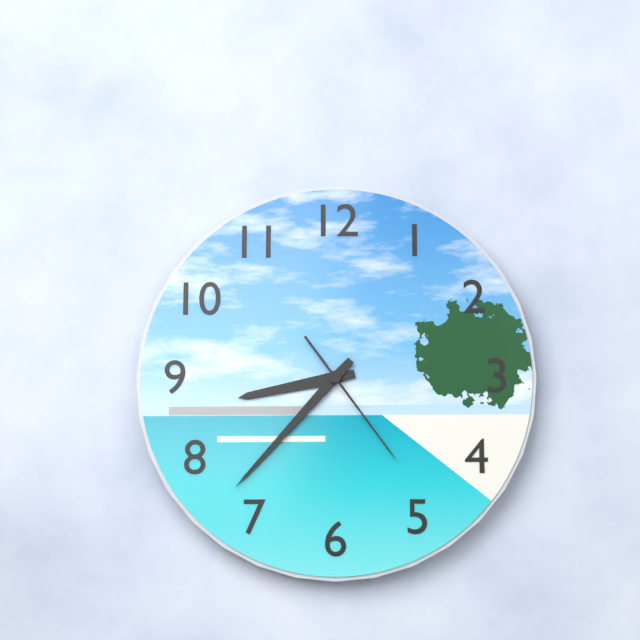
8:37:24
